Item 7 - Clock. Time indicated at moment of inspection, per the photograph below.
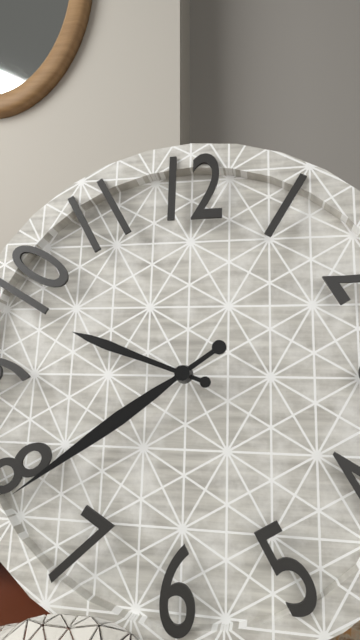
9:39
